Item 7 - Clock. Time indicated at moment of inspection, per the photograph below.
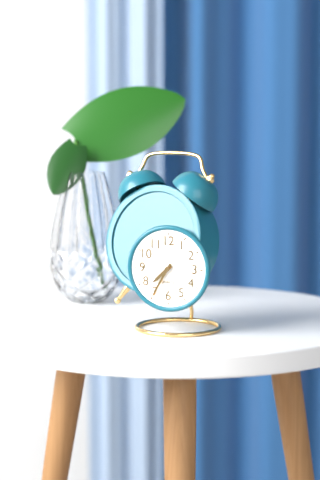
7:35
